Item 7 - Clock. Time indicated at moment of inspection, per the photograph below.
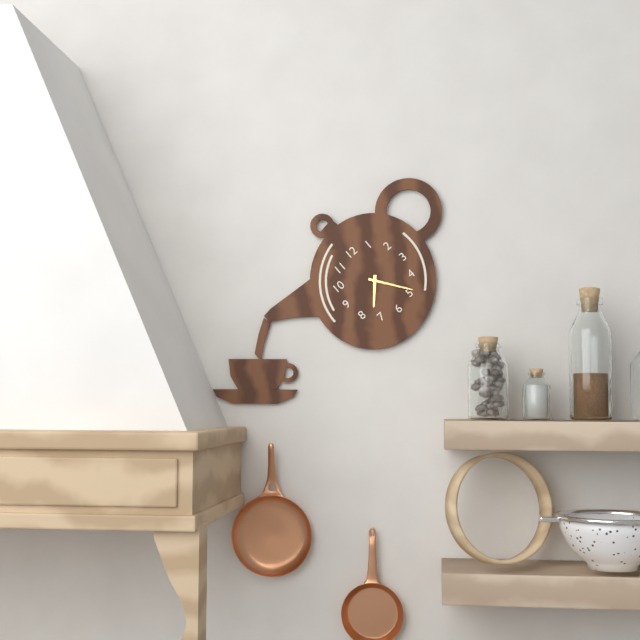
7:24
